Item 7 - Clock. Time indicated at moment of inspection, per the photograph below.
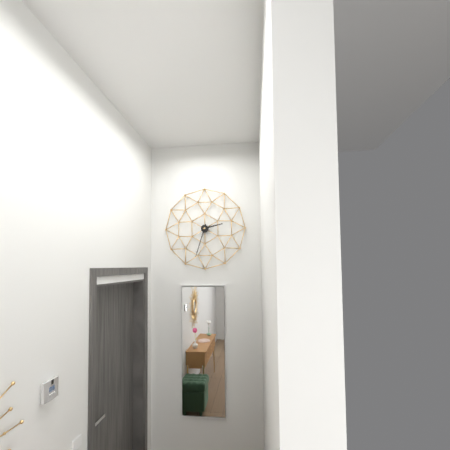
2:33
